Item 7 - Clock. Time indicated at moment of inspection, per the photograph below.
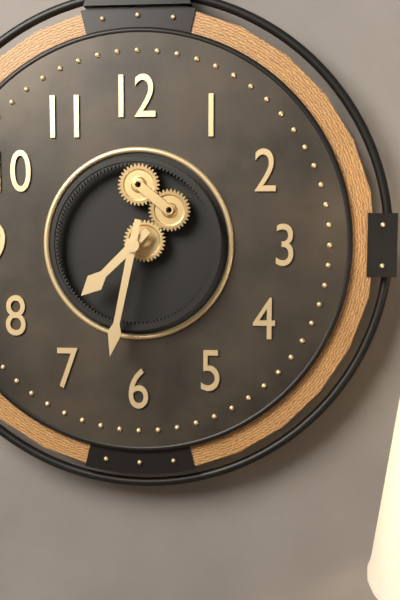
7:32
